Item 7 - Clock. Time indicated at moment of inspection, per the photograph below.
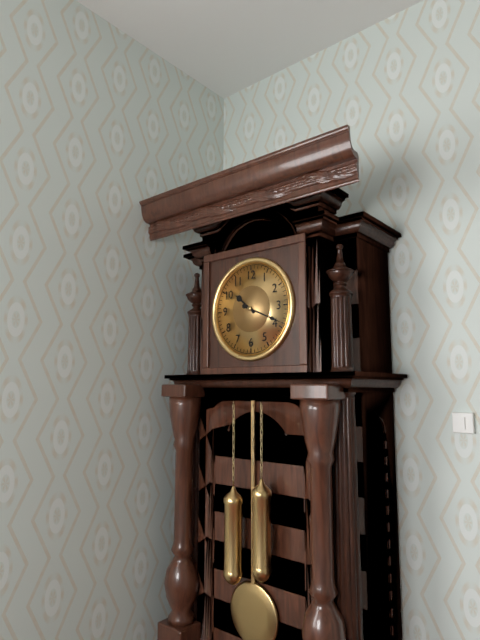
10:19
